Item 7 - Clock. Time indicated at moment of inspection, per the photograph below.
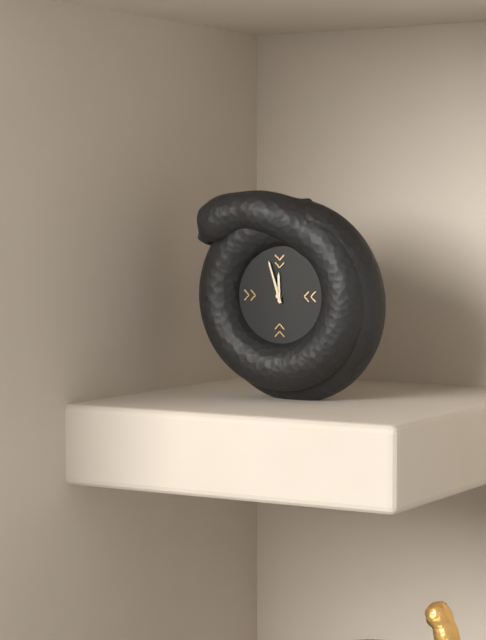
11:57
